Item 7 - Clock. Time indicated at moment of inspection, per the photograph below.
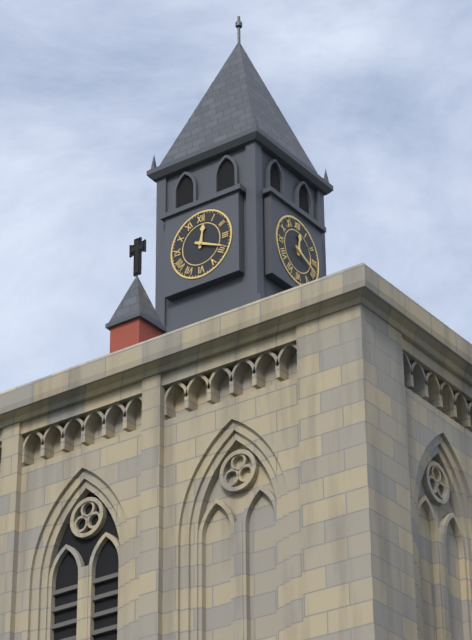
12:19
